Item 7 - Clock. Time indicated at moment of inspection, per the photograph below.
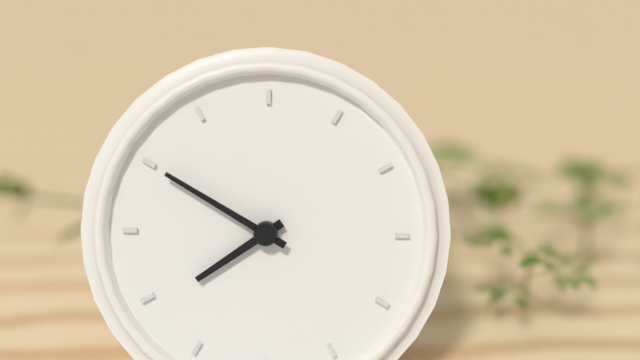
7:50
